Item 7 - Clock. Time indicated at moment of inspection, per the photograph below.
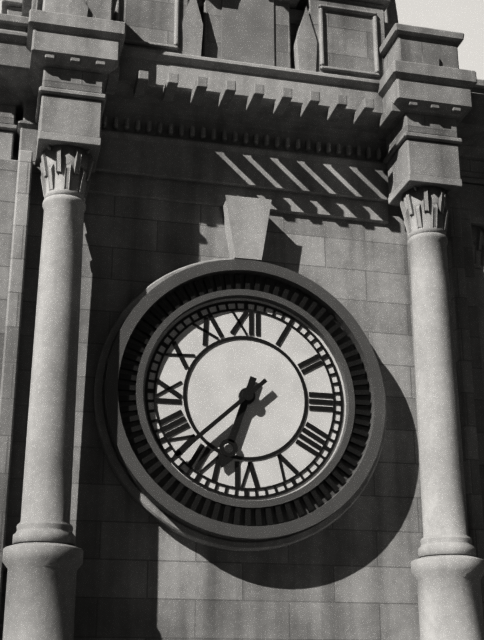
6:38
